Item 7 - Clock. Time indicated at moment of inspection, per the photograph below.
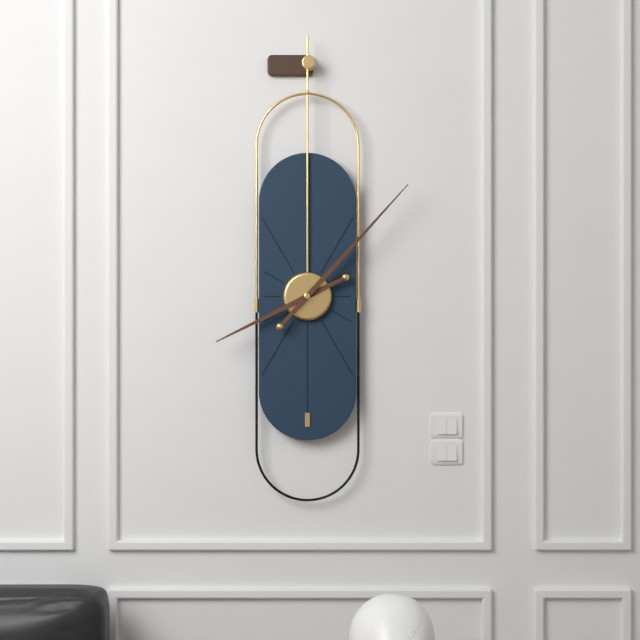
8:07
